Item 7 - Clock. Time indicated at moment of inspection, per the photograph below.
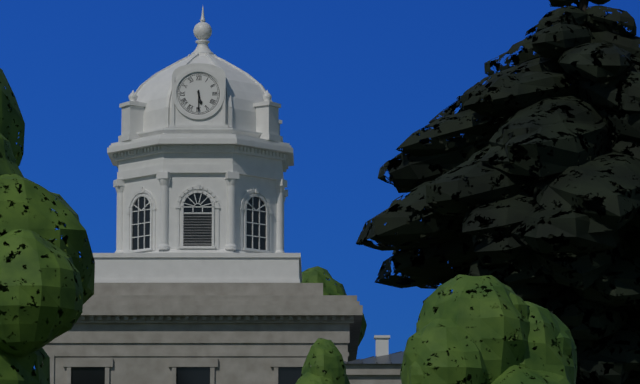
5:30
